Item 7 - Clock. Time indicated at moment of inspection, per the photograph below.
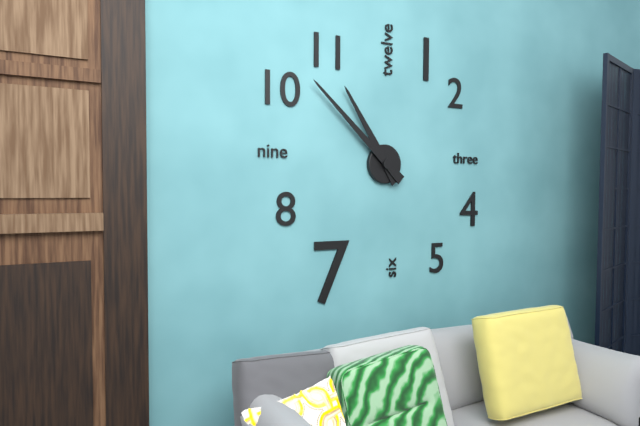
10:52
